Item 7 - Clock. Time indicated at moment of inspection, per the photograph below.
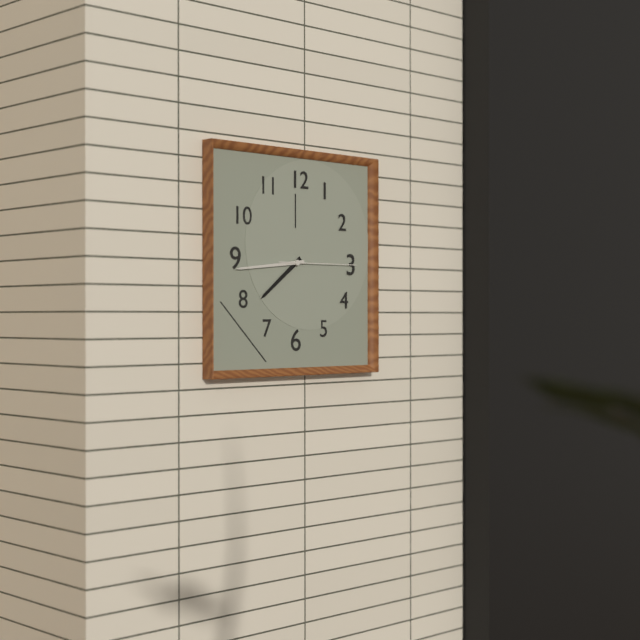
7:44:15
